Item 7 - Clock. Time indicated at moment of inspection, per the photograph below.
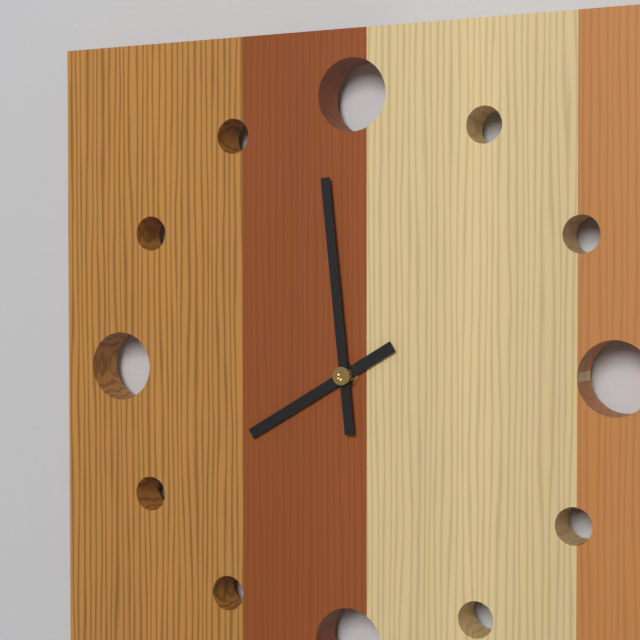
7:59
